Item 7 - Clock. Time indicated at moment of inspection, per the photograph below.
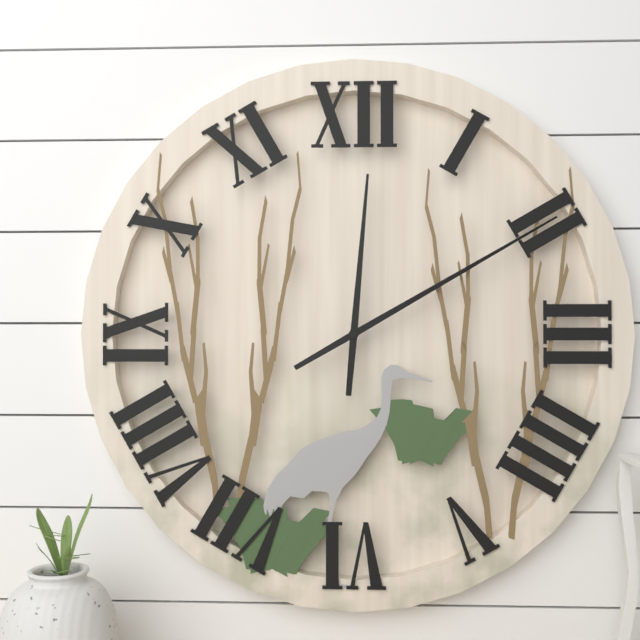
12:10
